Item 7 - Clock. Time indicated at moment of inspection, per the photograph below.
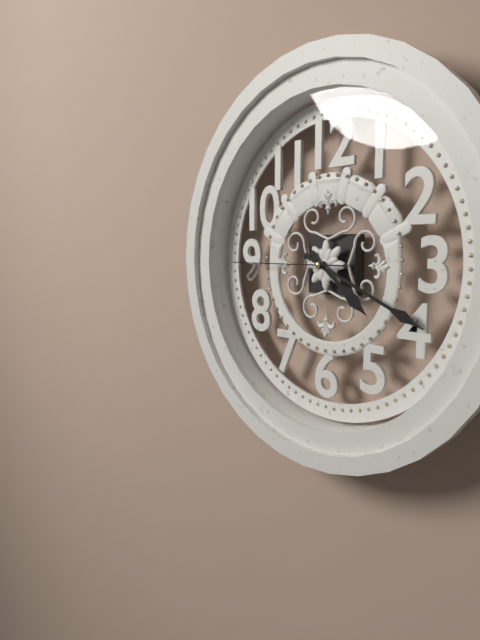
4:19:45
